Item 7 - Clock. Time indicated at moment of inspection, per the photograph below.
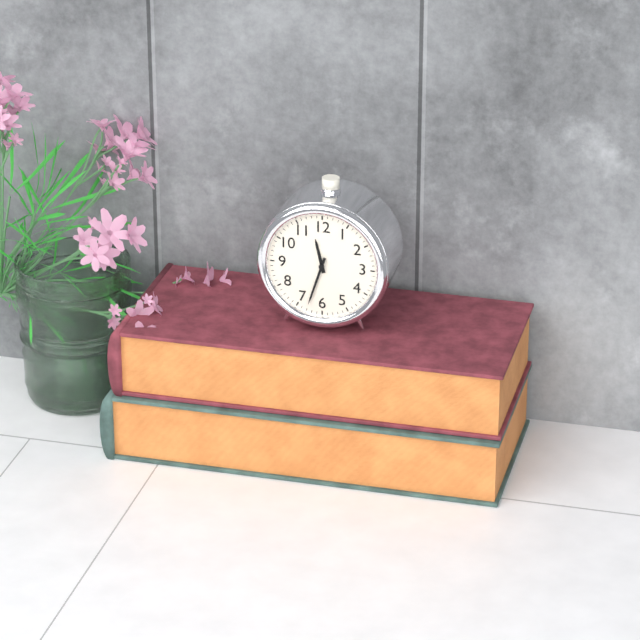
11:33
